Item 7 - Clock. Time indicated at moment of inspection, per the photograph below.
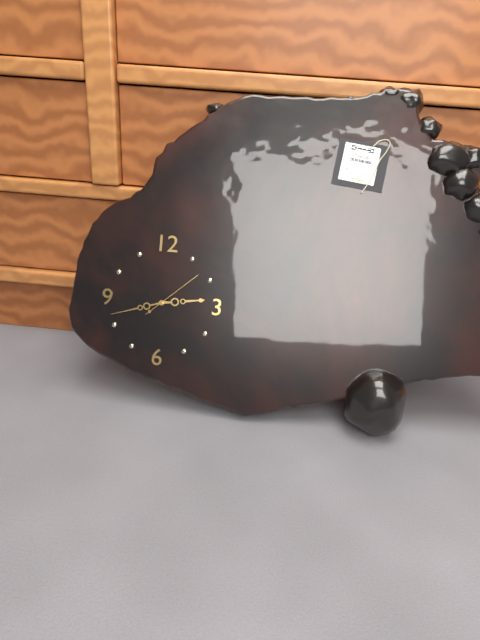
2:42:08
